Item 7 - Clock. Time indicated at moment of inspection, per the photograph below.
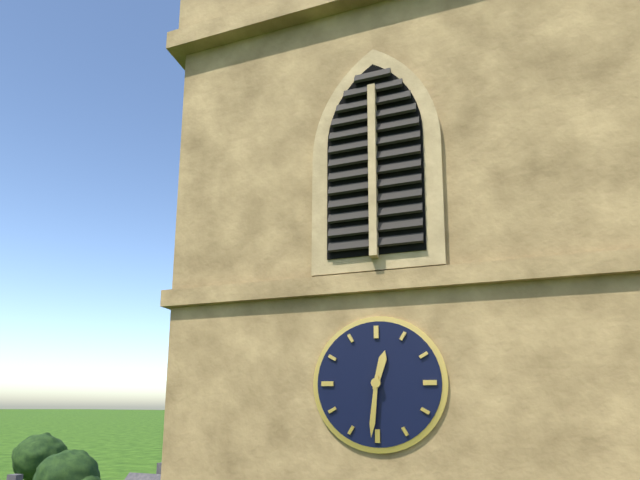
12:31
